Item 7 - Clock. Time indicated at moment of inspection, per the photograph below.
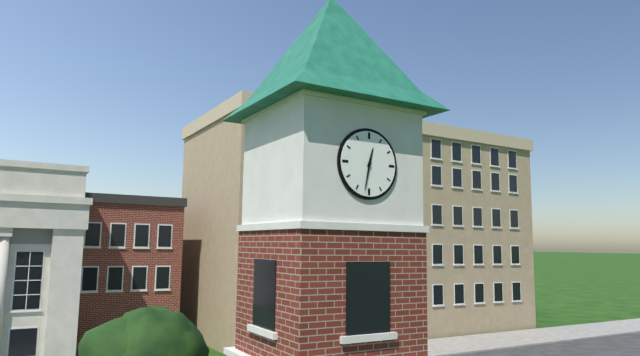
12:32
